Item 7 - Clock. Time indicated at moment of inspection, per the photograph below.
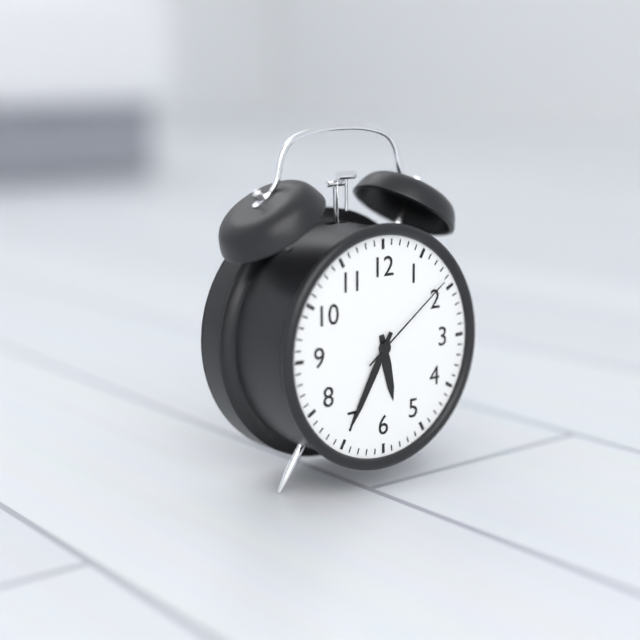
5:35:09
